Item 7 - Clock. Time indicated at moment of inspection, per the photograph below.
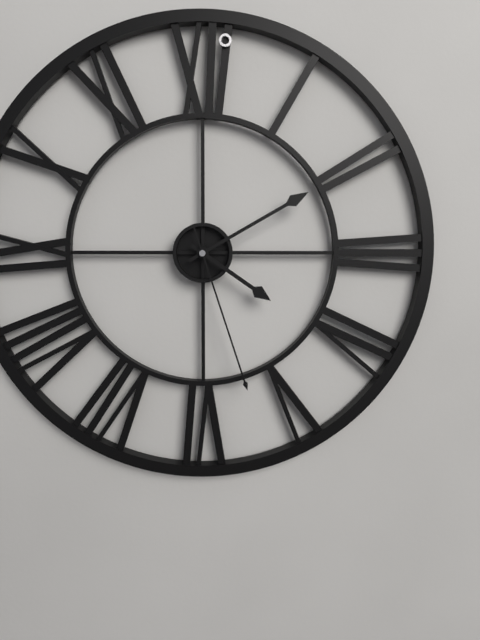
4:10:27
